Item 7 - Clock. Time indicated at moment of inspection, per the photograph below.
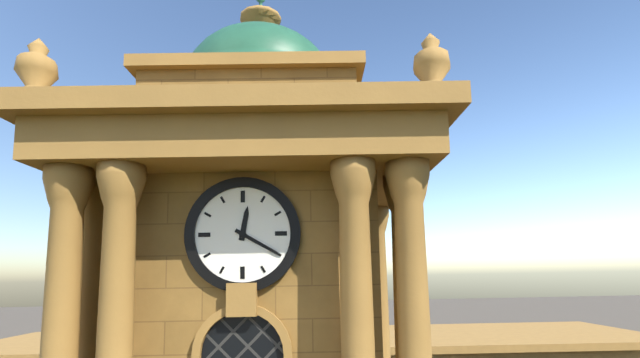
12:20
